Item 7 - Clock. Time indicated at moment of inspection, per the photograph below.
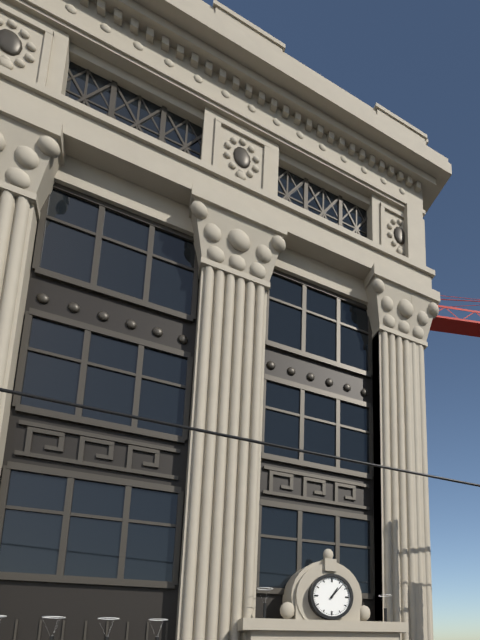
1:07
